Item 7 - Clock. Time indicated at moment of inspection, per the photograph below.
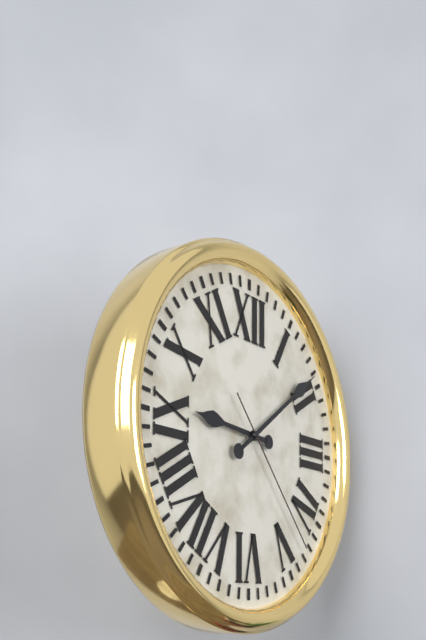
9:09:23
